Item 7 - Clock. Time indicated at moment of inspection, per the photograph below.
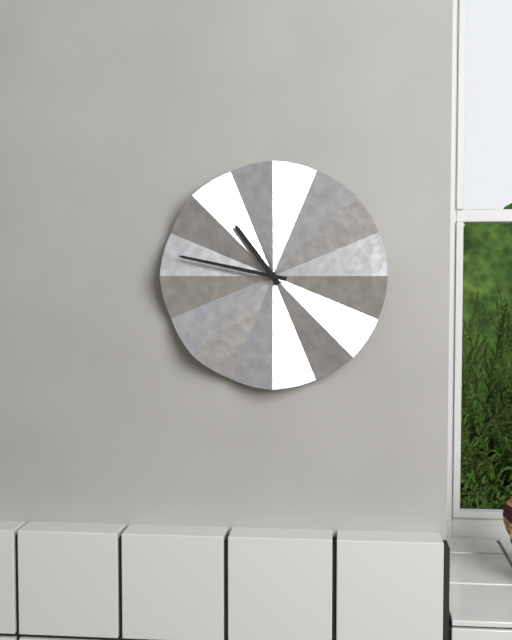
10:47
